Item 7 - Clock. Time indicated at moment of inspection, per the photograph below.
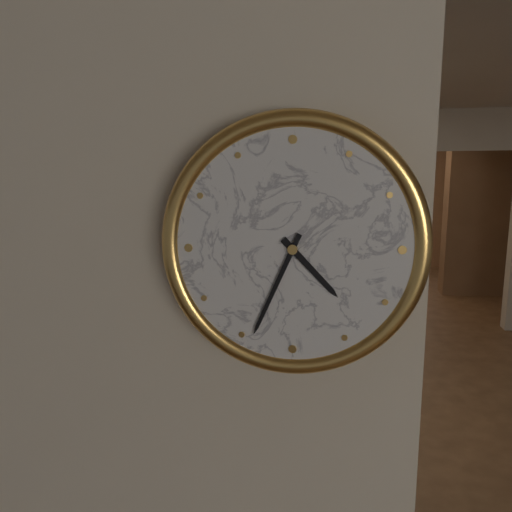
4:34
